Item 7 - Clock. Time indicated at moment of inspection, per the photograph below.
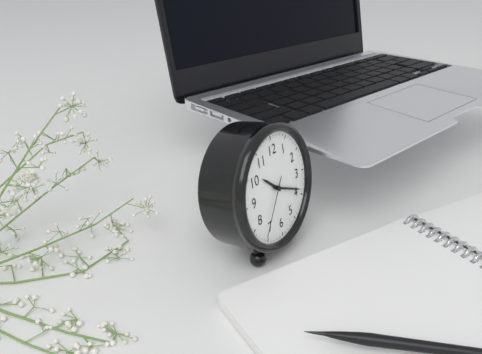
10:19:36
